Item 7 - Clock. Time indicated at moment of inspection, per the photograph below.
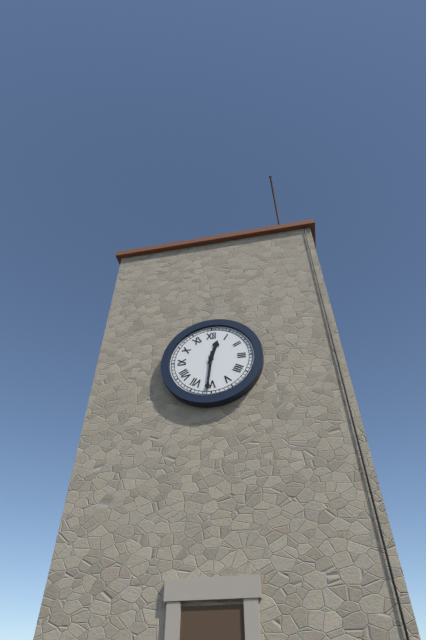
12:31
